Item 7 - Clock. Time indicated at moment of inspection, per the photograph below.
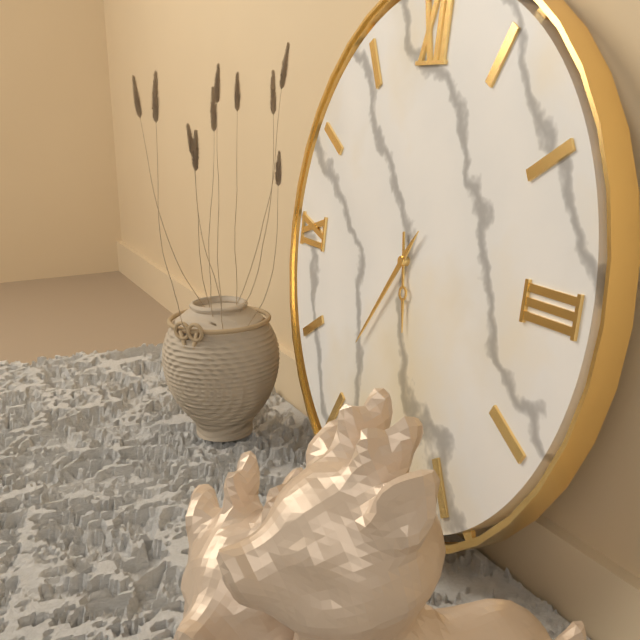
5:36
